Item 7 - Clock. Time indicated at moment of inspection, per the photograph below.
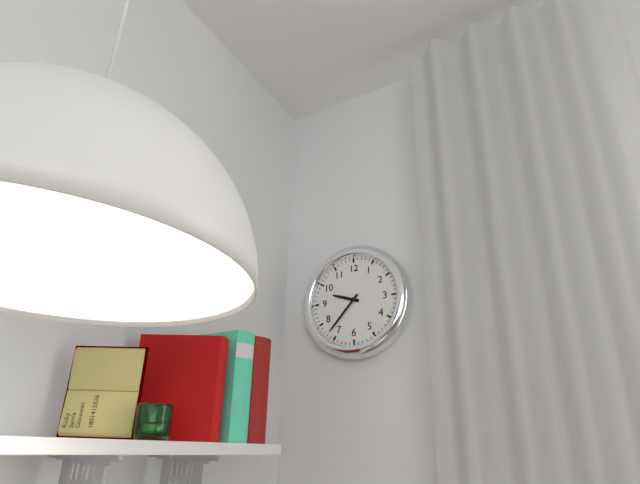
9:37
